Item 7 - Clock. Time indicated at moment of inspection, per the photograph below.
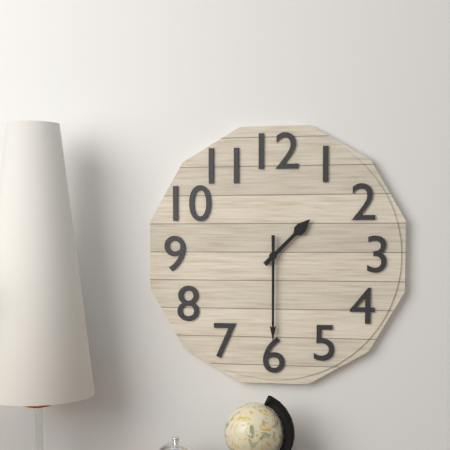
1:30
